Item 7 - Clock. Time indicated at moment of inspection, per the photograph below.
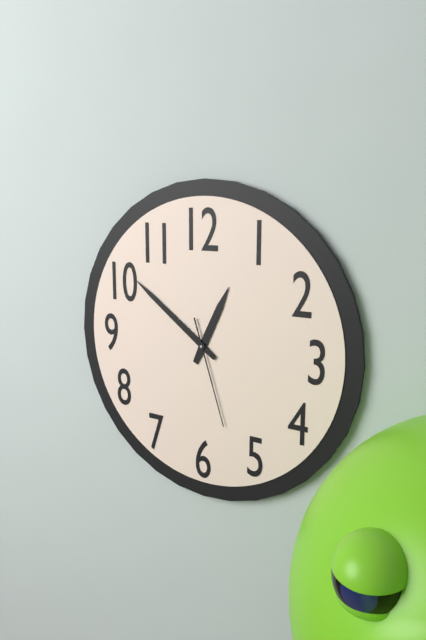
12:51:27
